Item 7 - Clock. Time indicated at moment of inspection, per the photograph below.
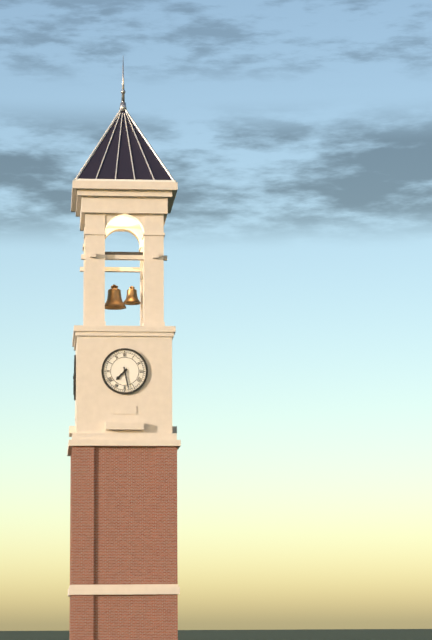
7:28
